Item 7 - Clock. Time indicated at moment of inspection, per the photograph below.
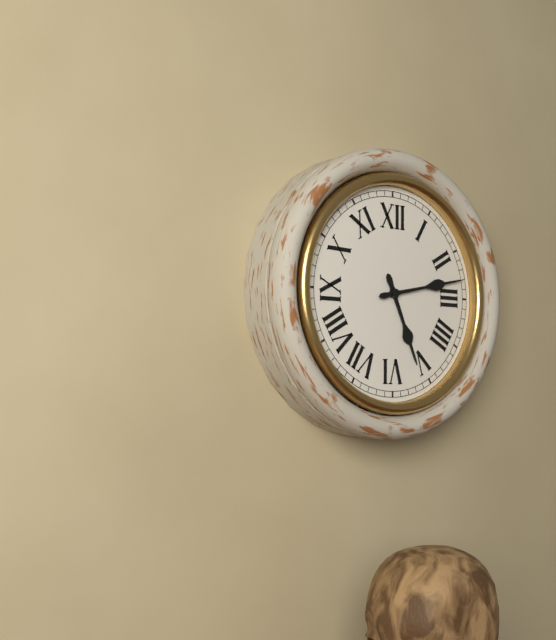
5:13
